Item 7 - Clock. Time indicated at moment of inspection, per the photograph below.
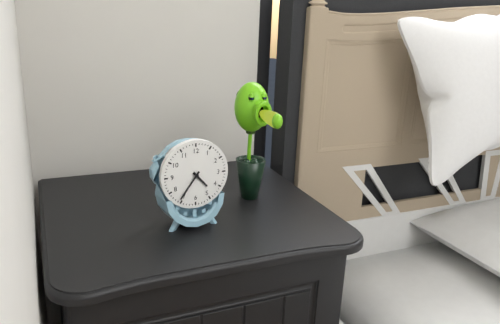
4:36
